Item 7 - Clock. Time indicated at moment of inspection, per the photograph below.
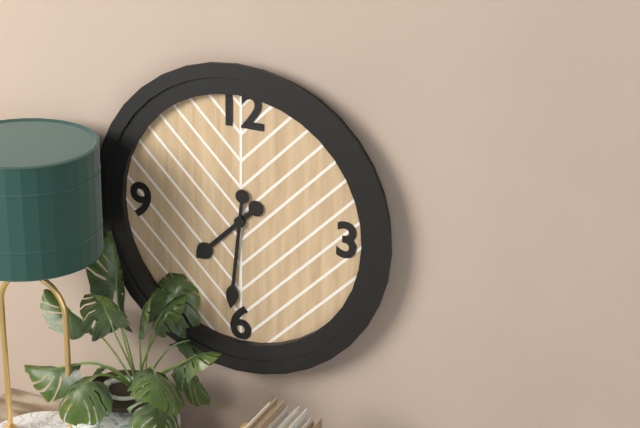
7:31
